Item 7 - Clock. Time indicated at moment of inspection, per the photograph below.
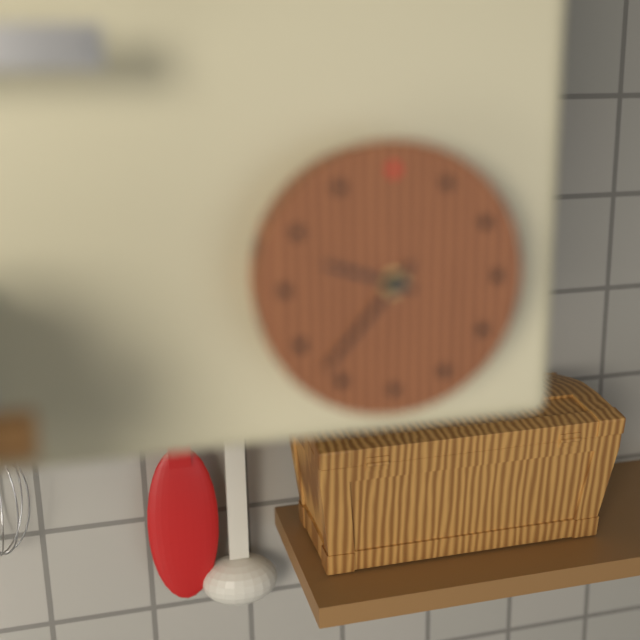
9:37
